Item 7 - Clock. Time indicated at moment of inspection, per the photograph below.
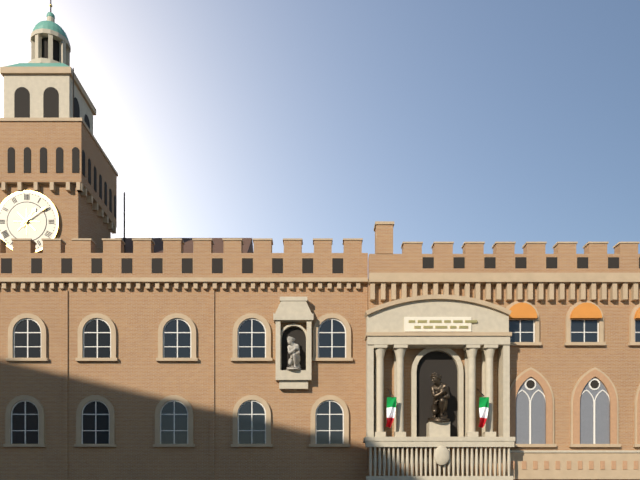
1:09
